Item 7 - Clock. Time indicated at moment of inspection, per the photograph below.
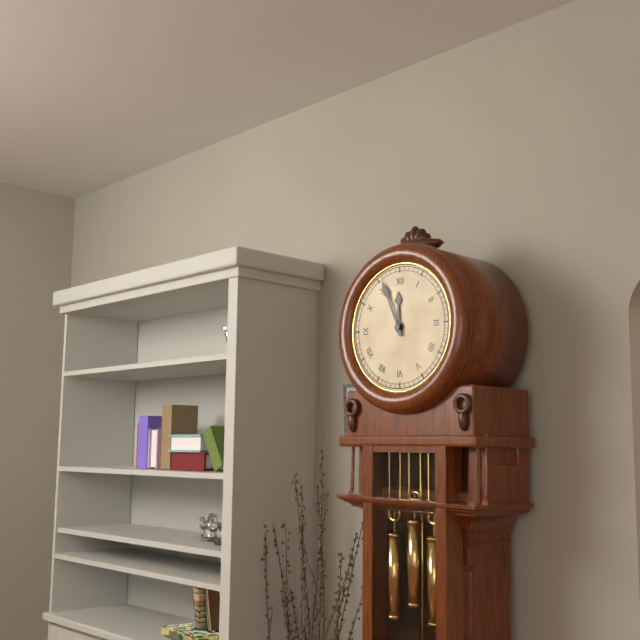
11:56
